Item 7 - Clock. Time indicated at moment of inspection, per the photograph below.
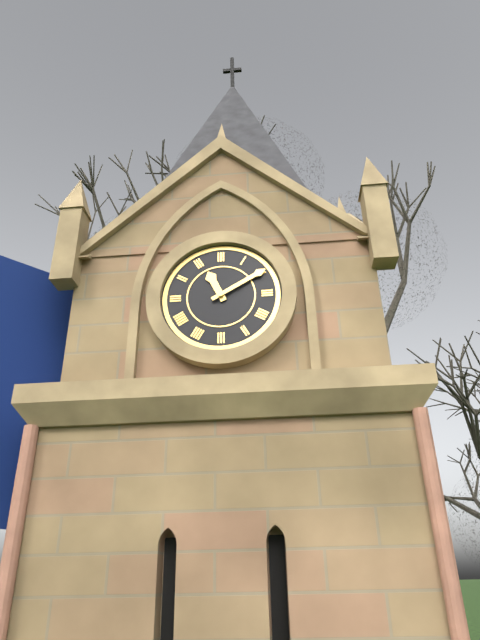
11:10
